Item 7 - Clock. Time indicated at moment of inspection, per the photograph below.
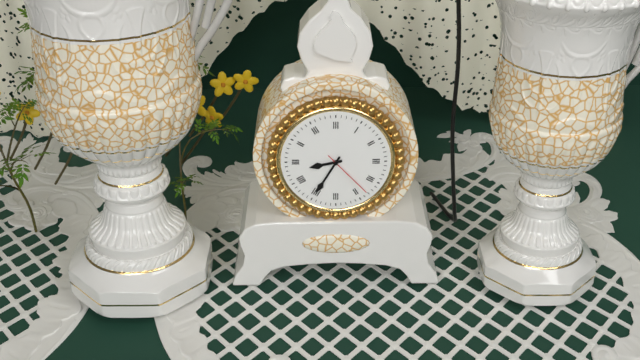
8:35:23
